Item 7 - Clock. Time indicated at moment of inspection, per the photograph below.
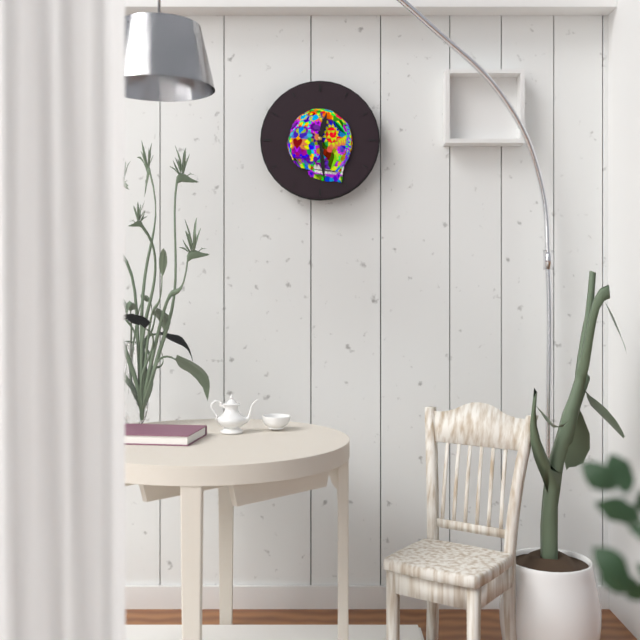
12:29
